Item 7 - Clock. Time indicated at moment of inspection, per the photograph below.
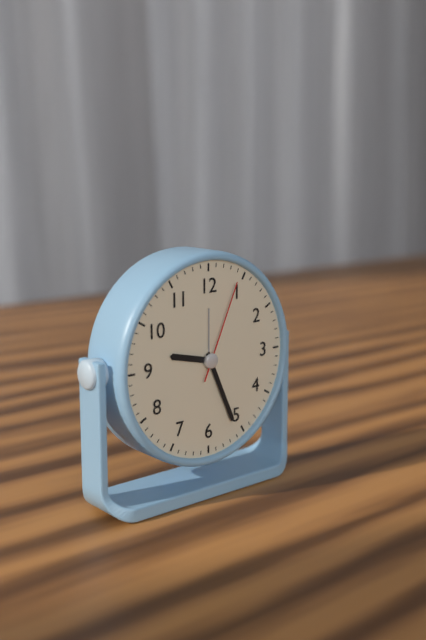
9:26:04
